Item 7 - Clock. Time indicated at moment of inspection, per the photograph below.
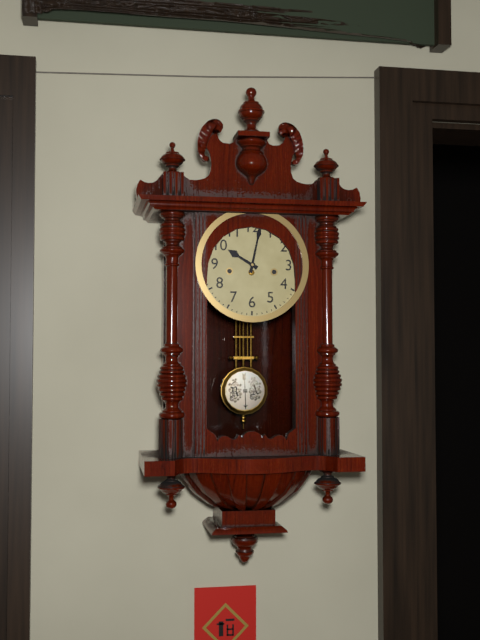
10:02
